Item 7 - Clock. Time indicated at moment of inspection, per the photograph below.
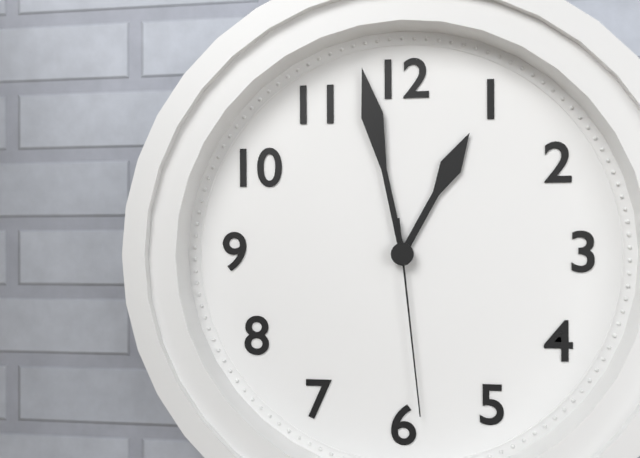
12:58:29
